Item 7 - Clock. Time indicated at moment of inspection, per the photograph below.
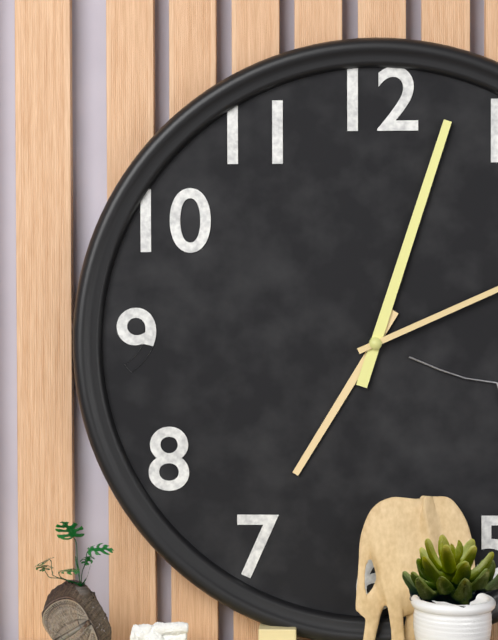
7:03
